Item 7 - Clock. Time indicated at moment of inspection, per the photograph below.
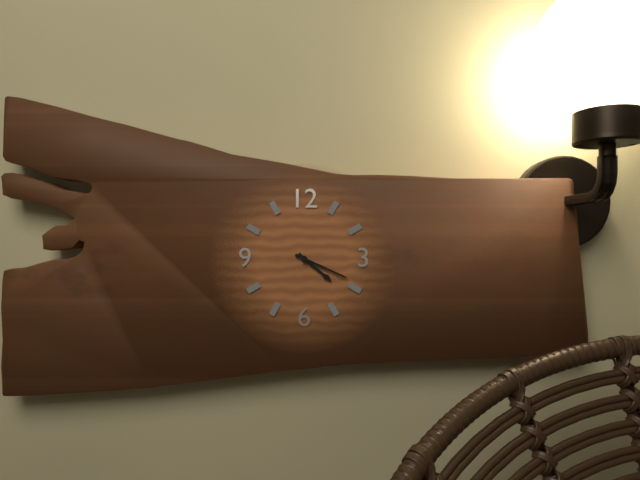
4:19
